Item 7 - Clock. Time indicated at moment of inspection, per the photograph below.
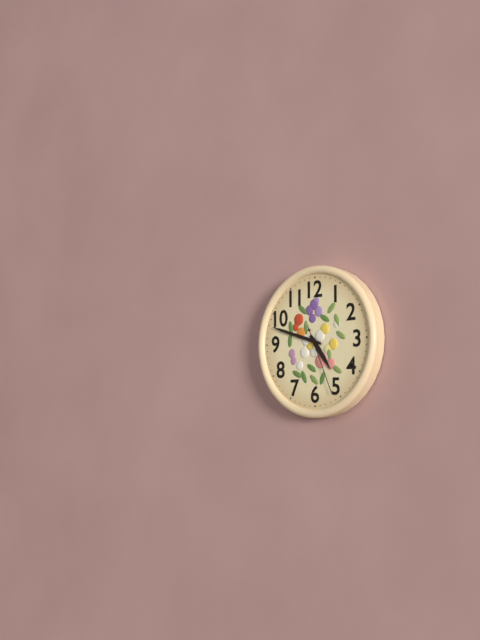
4:48:26
